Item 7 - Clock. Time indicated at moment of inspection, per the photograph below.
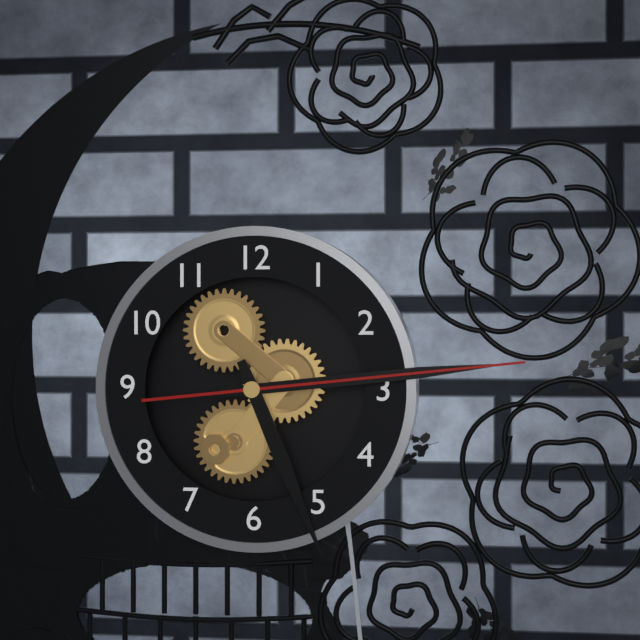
5:14:14
